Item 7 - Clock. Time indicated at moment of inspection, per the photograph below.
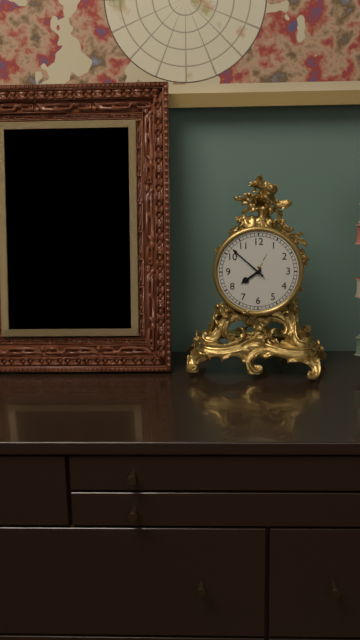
7:52
